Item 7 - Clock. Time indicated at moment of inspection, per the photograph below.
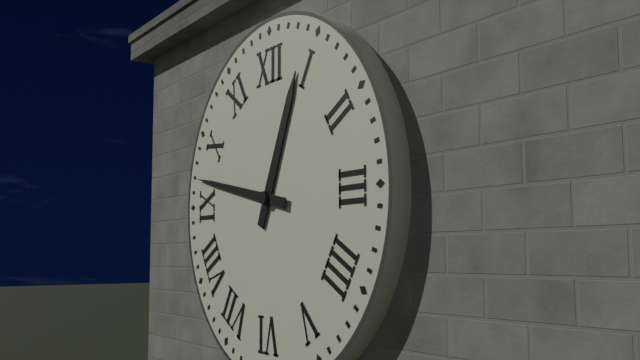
12:47
